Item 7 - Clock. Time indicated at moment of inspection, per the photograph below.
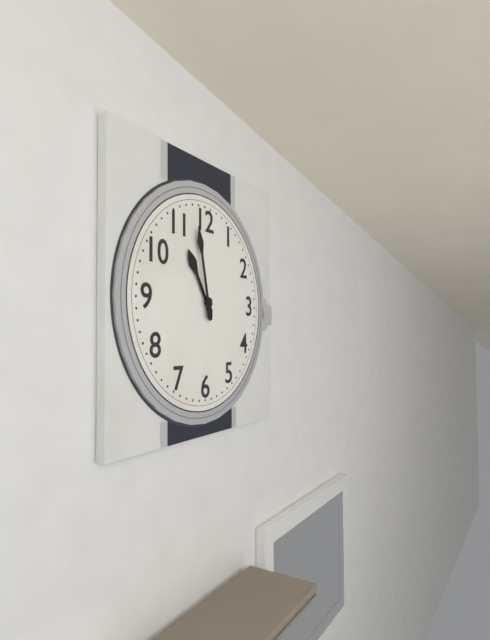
10:58
